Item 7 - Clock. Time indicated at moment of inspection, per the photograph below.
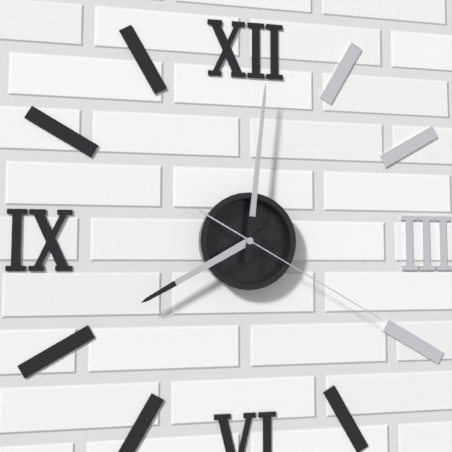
8:01:20
